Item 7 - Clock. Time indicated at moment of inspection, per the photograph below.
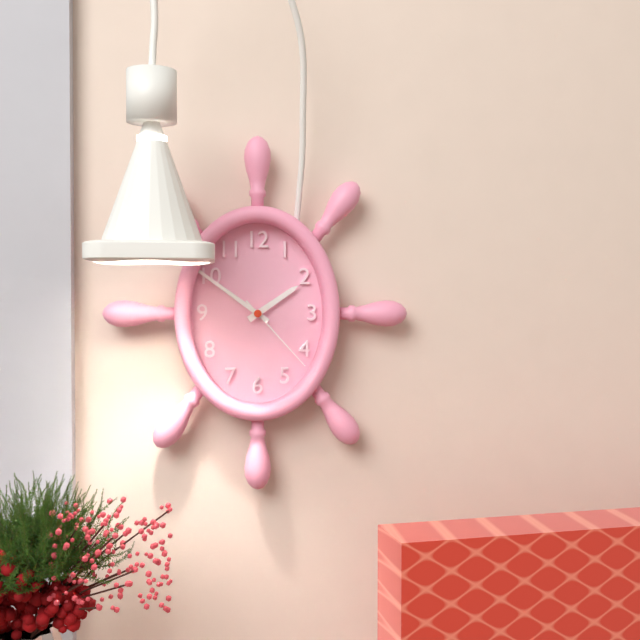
1:51:23
